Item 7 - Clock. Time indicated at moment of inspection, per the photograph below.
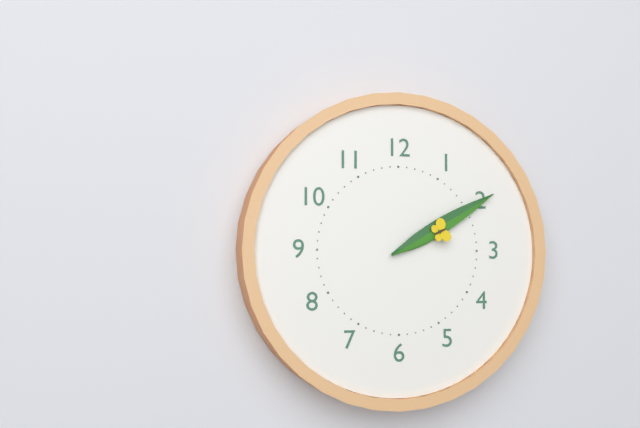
2:10
